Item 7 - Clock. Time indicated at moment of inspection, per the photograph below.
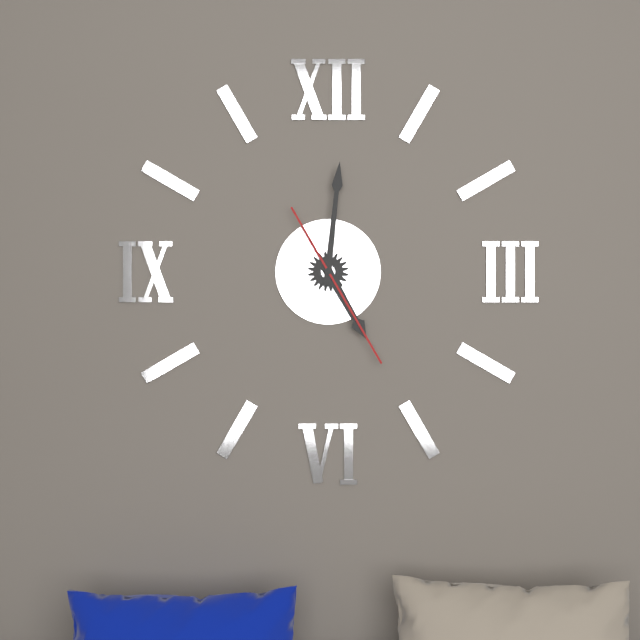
5:01:25
